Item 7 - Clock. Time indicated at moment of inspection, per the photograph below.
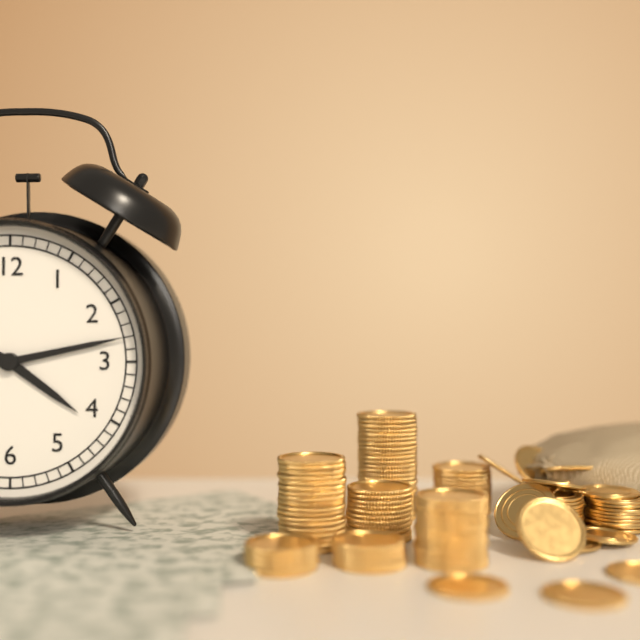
4:13
